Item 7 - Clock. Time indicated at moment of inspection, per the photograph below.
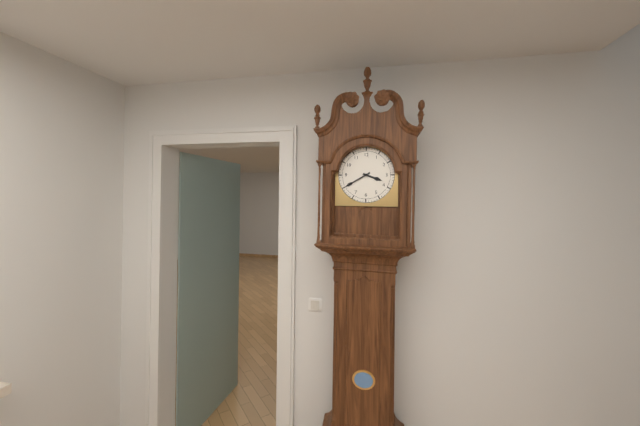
3:40
